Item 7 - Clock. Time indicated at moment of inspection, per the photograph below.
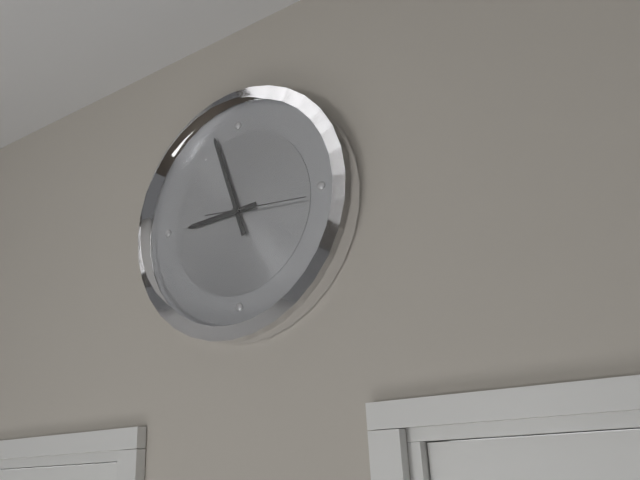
8:57:16
